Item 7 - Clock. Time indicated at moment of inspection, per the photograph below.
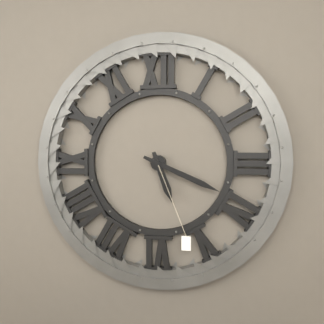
5:19
